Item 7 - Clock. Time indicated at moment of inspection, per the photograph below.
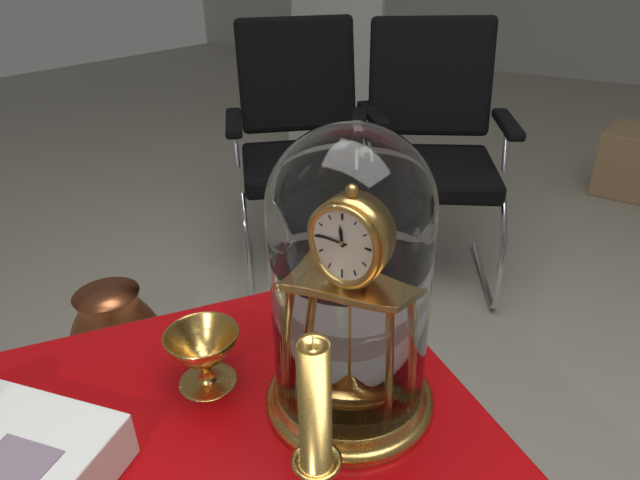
11:46
